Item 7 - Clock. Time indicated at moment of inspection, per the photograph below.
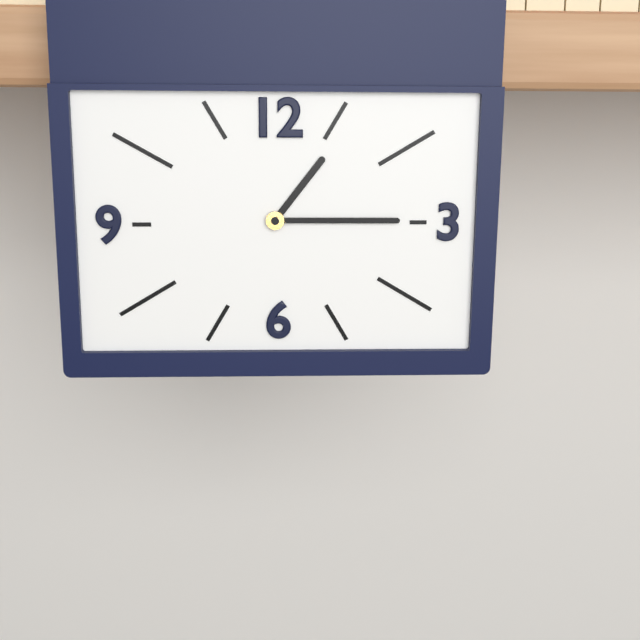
1:15
